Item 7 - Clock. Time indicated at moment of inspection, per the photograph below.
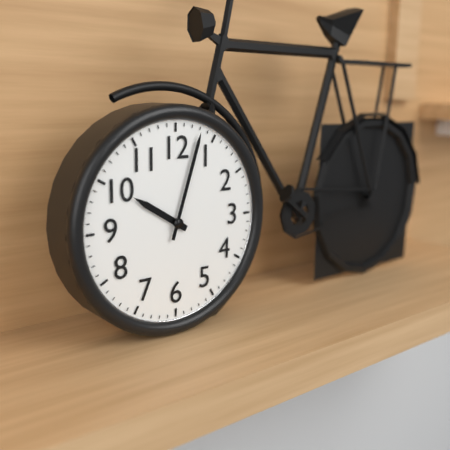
10:03
